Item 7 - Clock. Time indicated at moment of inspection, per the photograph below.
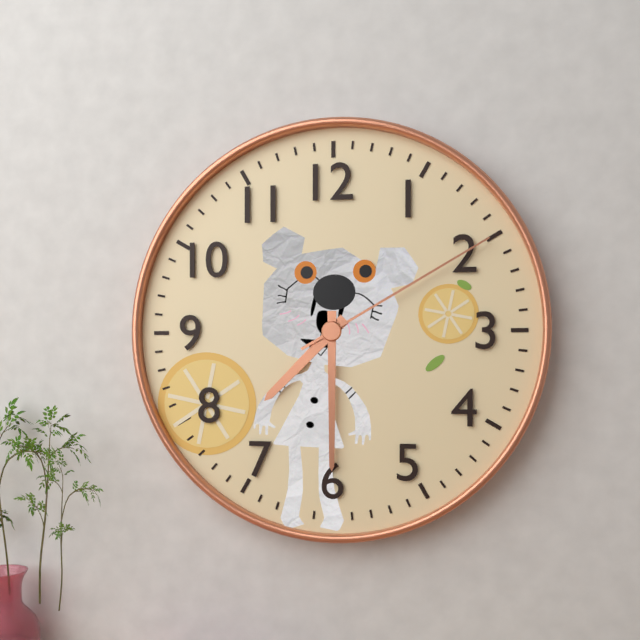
7:30:10
